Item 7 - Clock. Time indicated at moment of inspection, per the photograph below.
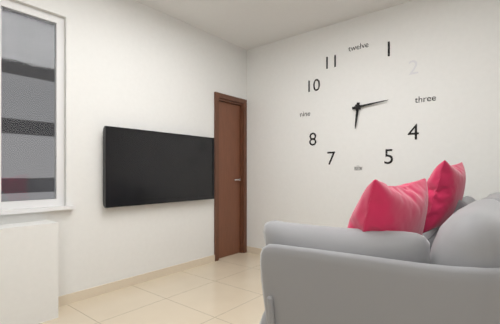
6:14
